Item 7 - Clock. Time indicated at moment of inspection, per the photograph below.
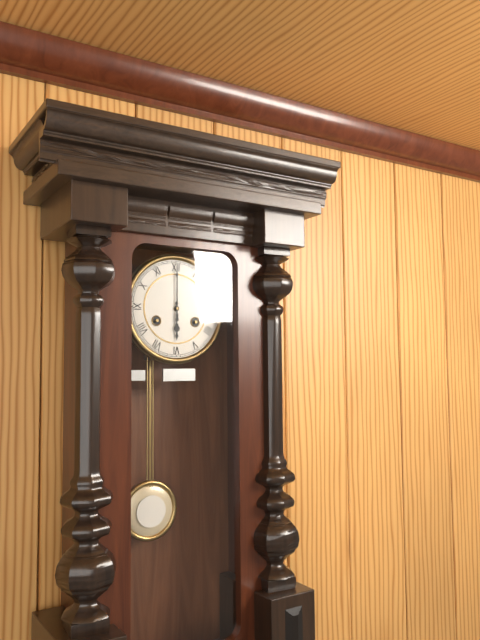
6:00
